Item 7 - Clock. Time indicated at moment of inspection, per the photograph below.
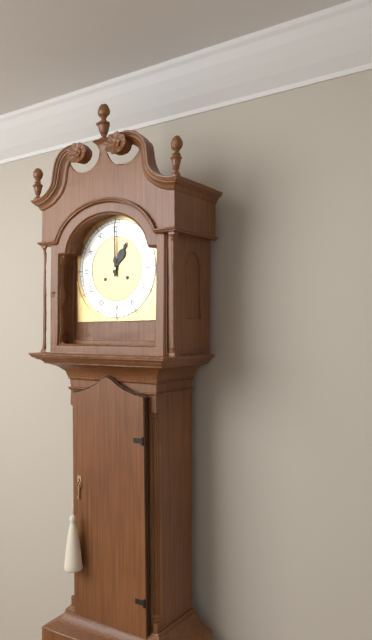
1:00
